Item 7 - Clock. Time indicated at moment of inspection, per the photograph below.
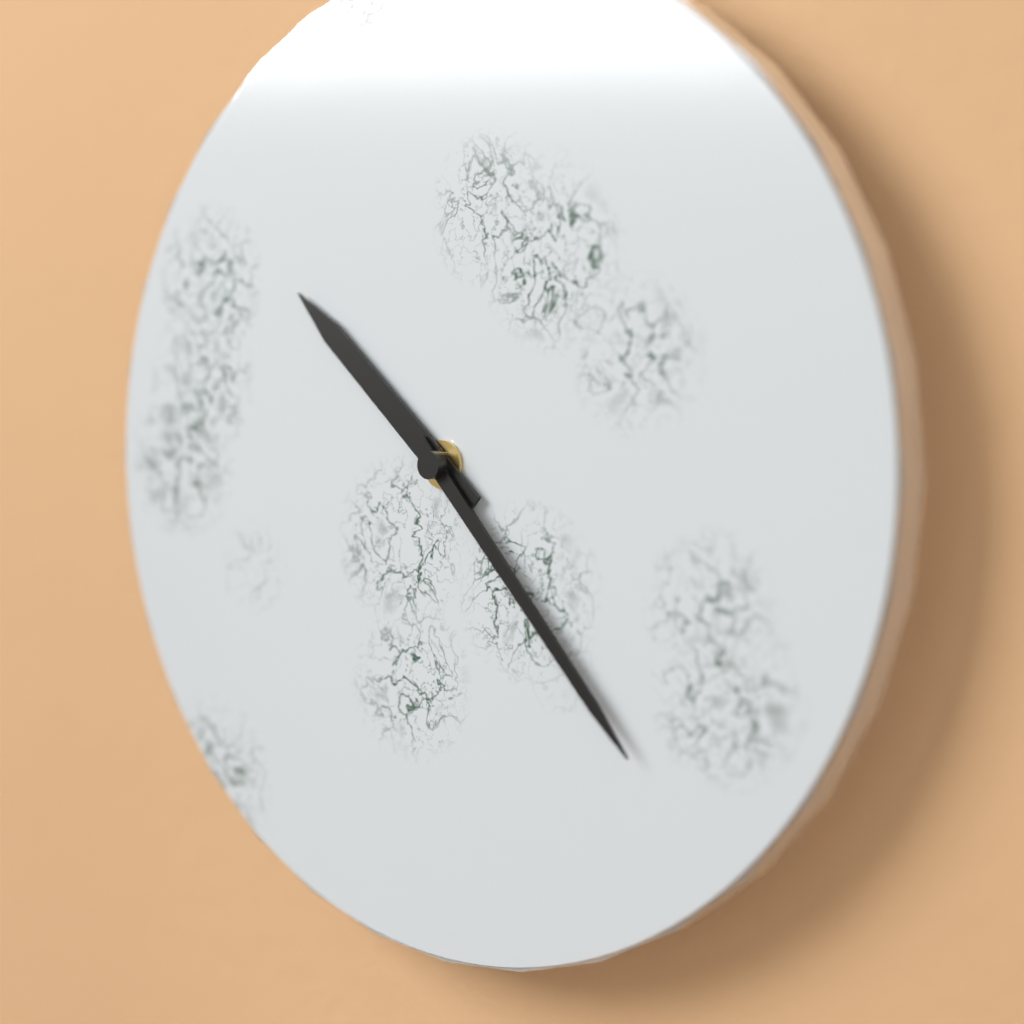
10:23
